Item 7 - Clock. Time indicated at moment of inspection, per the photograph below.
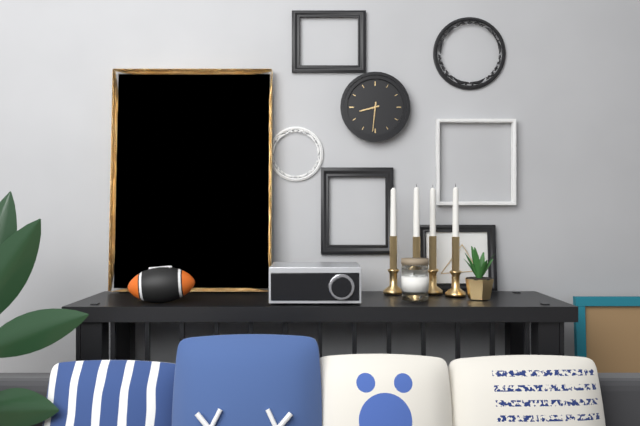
8:31
